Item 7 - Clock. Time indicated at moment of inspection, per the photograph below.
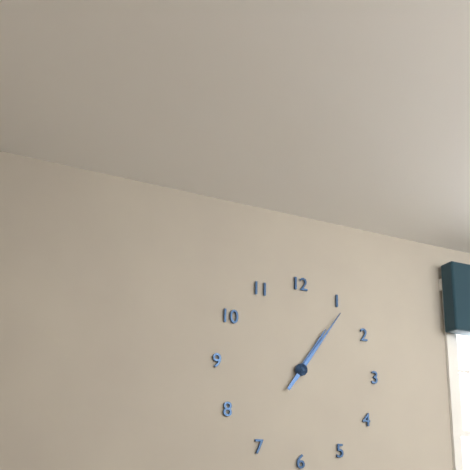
1:06
